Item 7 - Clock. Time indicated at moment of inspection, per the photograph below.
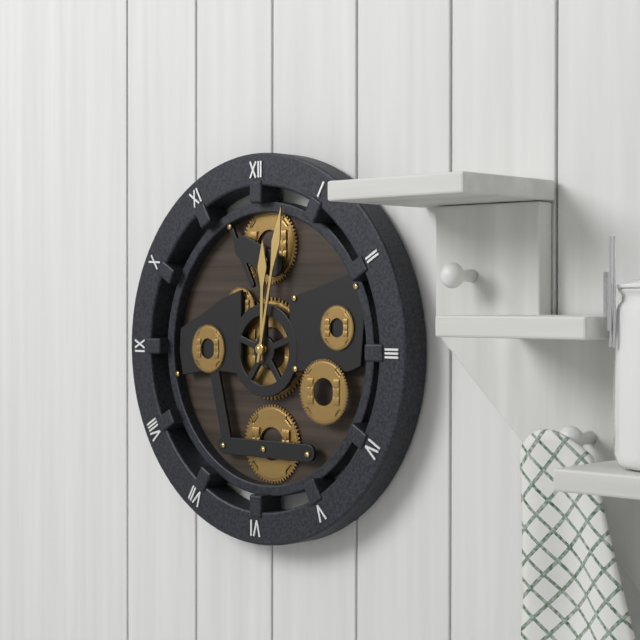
12:02
